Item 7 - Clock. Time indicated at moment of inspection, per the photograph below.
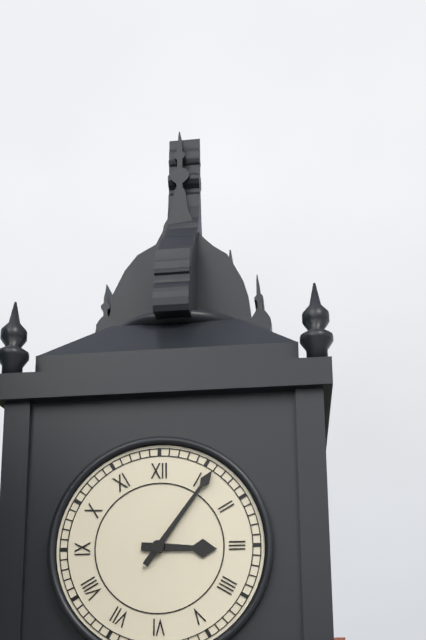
3:06
